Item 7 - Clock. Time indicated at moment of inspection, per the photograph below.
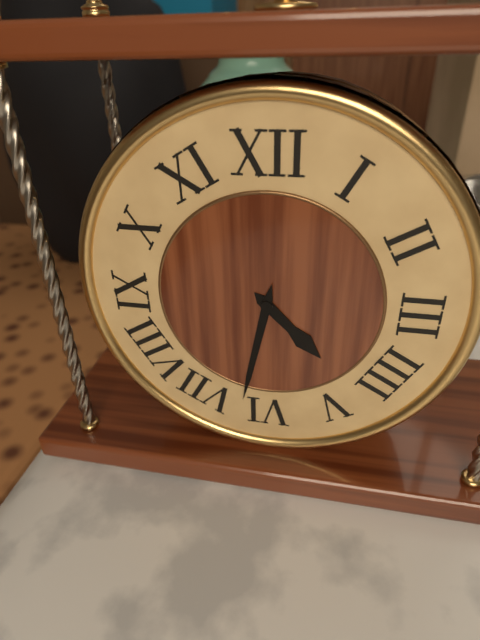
4:32
